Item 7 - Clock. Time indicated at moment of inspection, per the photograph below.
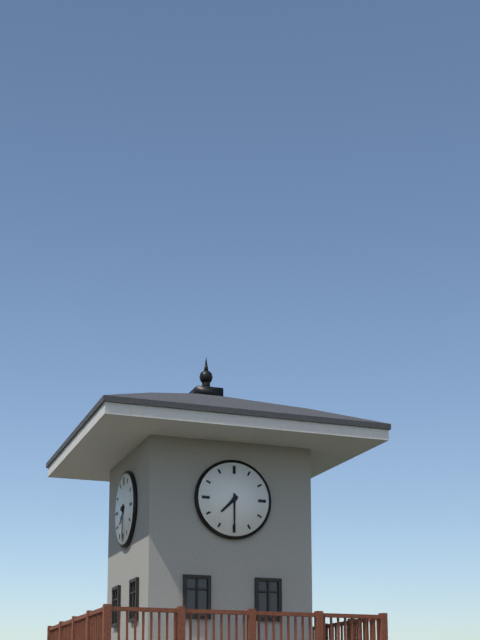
7:30
